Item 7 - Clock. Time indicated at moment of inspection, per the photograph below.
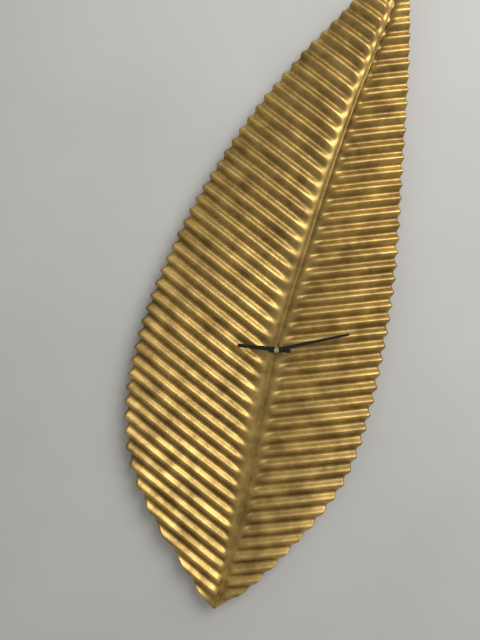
9:13
